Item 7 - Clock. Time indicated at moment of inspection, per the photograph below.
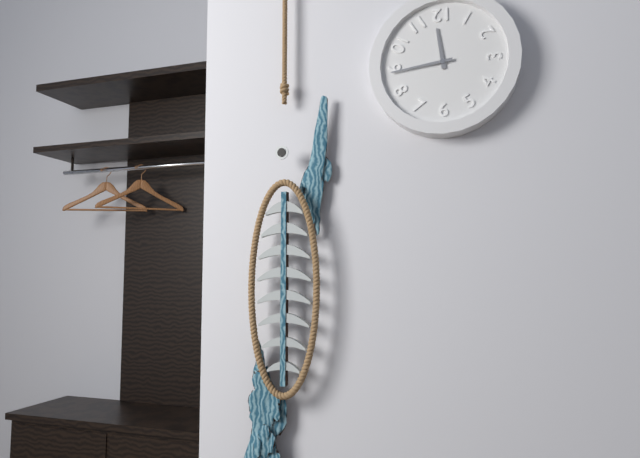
11:44
